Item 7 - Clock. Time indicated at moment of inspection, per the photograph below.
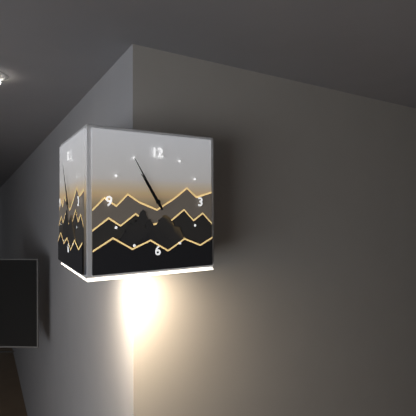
10:55
